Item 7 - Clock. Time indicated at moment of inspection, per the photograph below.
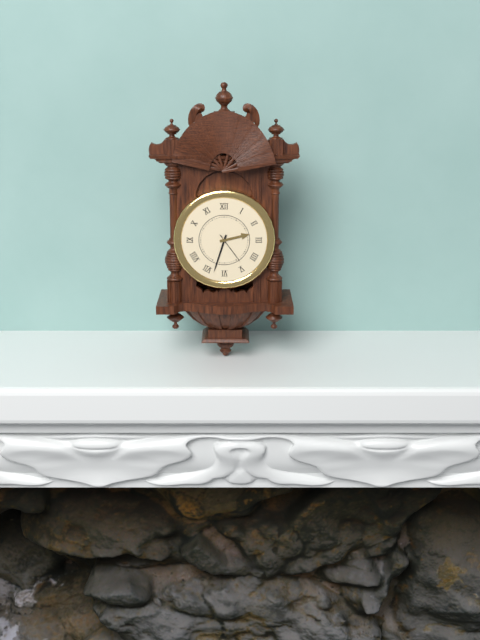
2:33
